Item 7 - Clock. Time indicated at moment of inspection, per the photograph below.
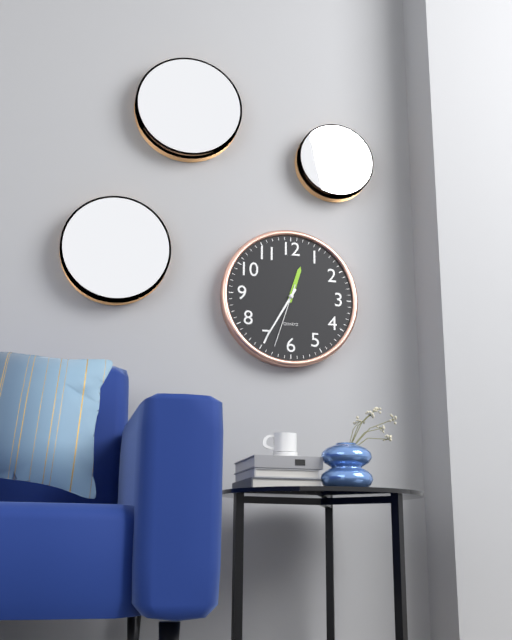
12:35:33
